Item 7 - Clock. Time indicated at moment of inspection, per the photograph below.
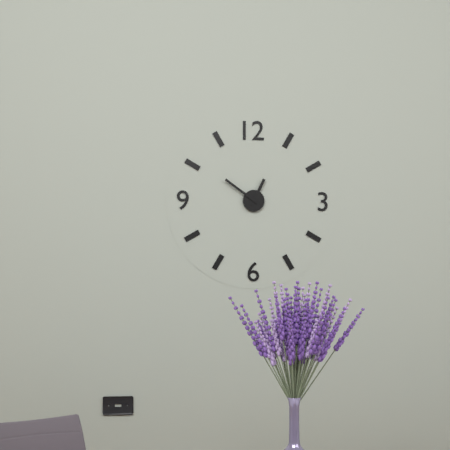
12:51
